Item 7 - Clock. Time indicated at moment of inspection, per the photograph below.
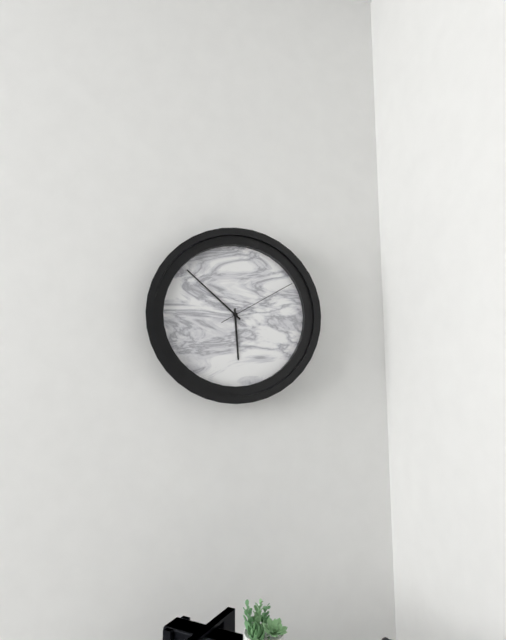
5:52:10
